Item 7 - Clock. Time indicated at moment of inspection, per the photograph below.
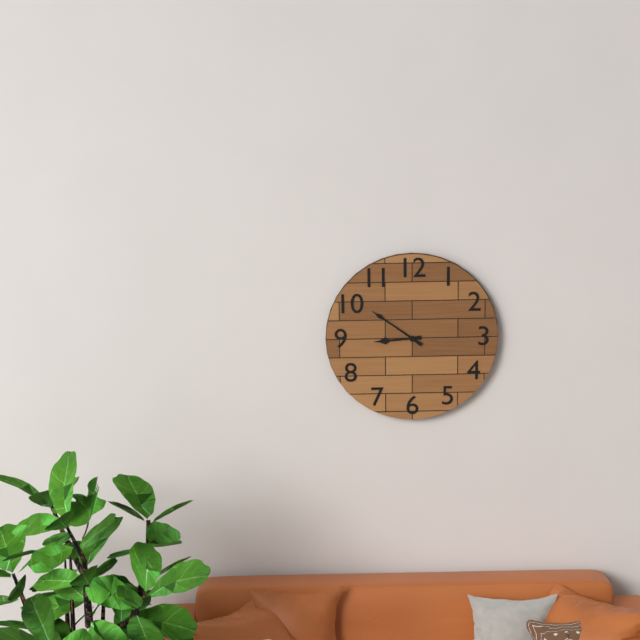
8:51
